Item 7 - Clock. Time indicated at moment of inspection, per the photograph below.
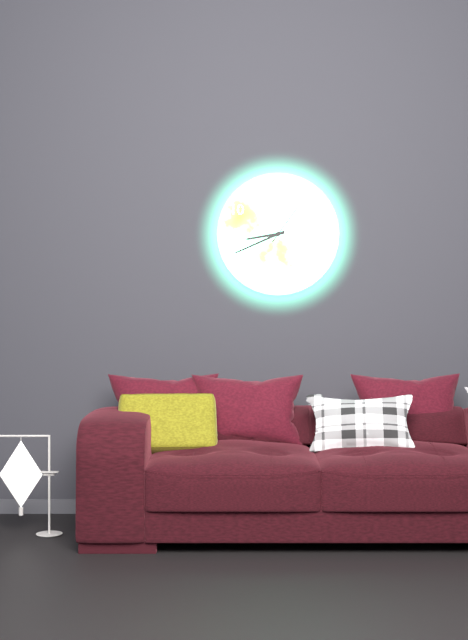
8:41:06
